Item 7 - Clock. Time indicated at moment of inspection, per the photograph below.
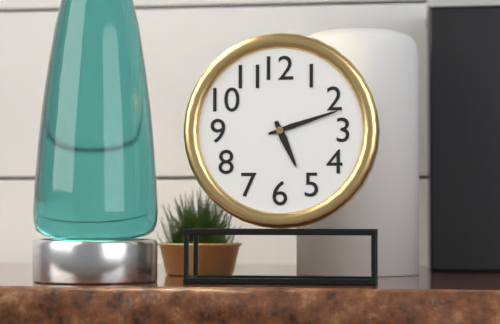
5:12
